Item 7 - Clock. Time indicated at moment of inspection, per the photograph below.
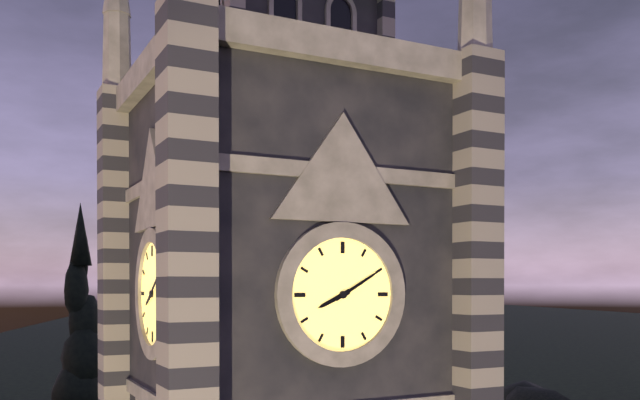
8:10
